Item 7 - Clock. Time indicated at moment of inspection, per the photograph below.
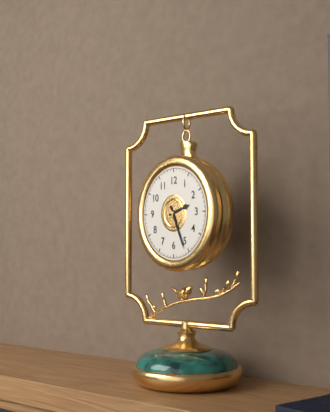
2:26
